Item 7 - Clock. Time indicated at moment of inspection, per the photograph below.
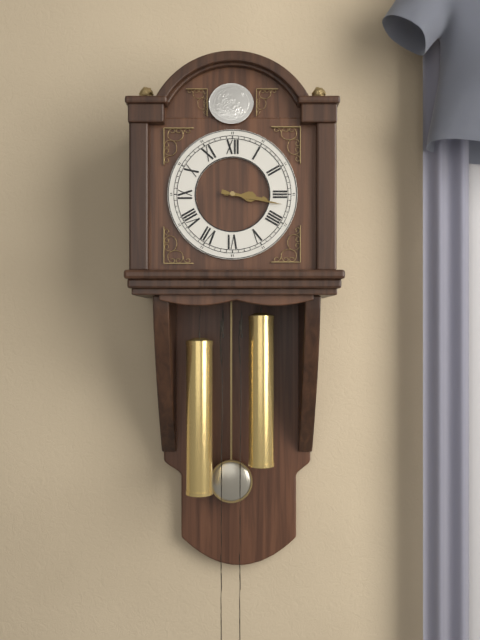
3:17
